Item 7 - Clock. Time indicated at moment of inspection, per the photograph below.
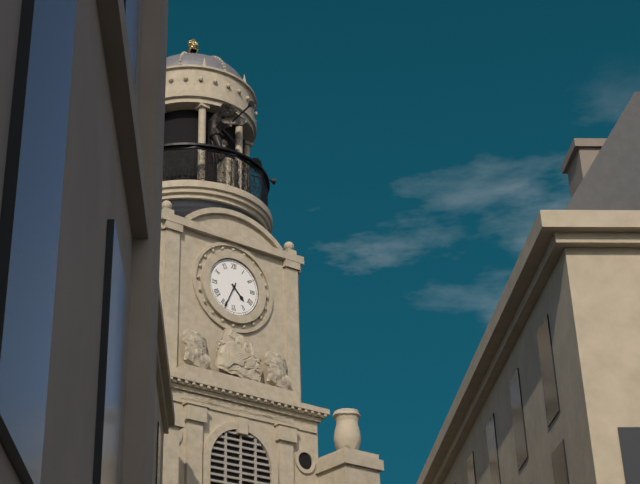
4:34
